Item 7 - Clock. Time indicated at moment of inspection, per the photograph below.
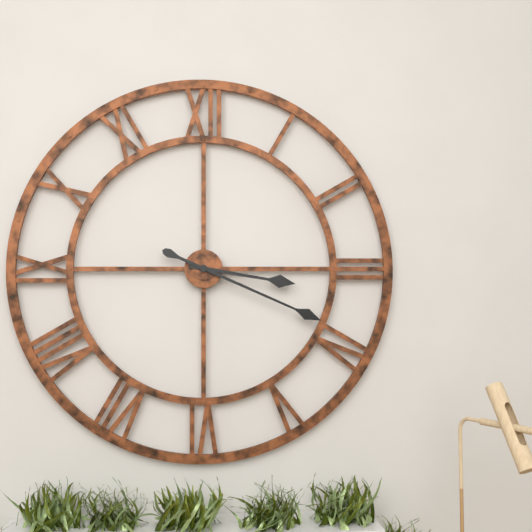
3:19
